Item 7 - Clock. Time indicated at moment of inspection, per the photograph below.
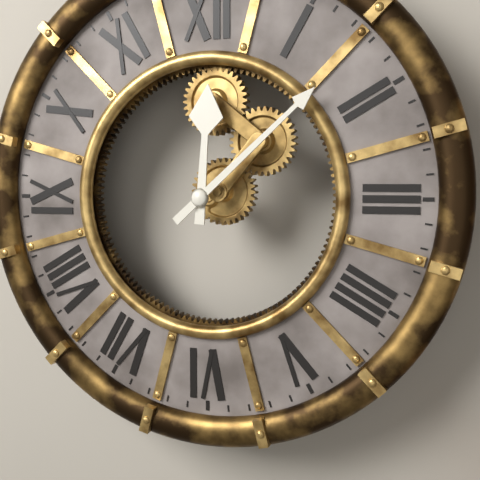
12:08
